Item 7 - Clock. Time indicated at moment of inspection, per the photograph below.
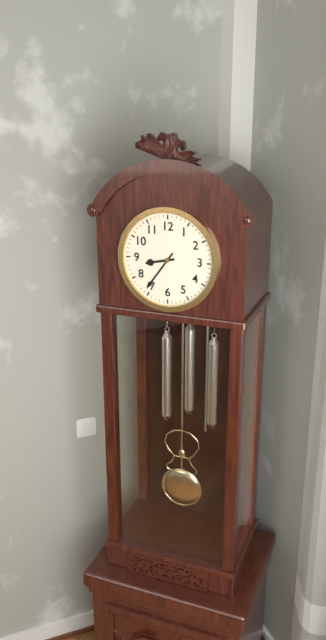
8:36
